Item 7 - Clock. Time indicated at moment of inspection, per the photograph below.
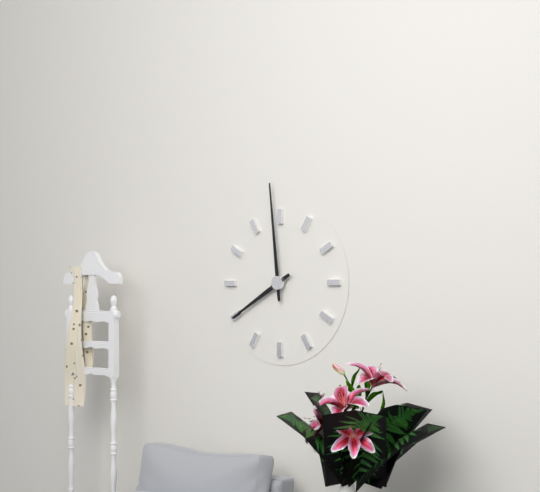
7:59
